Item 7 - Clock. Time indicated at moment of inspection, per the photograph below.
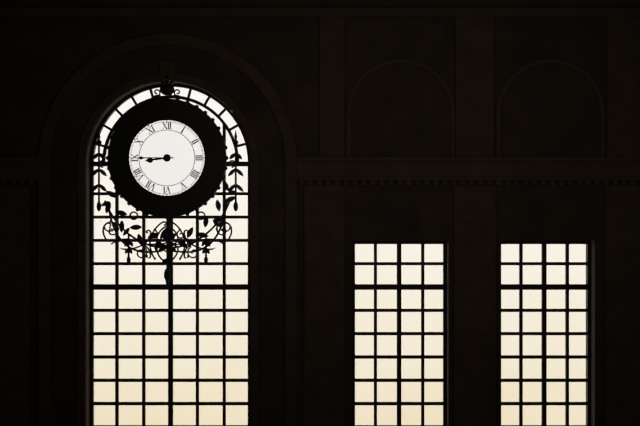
8:45
